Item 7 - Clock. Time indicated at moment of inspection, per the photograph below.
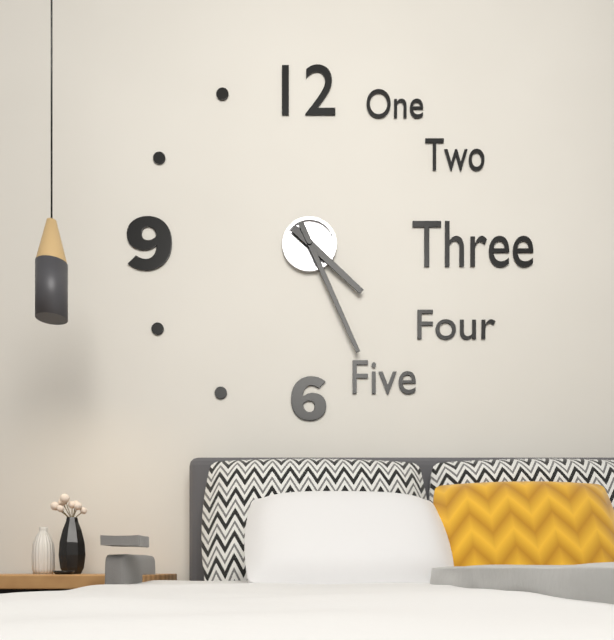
4:26
